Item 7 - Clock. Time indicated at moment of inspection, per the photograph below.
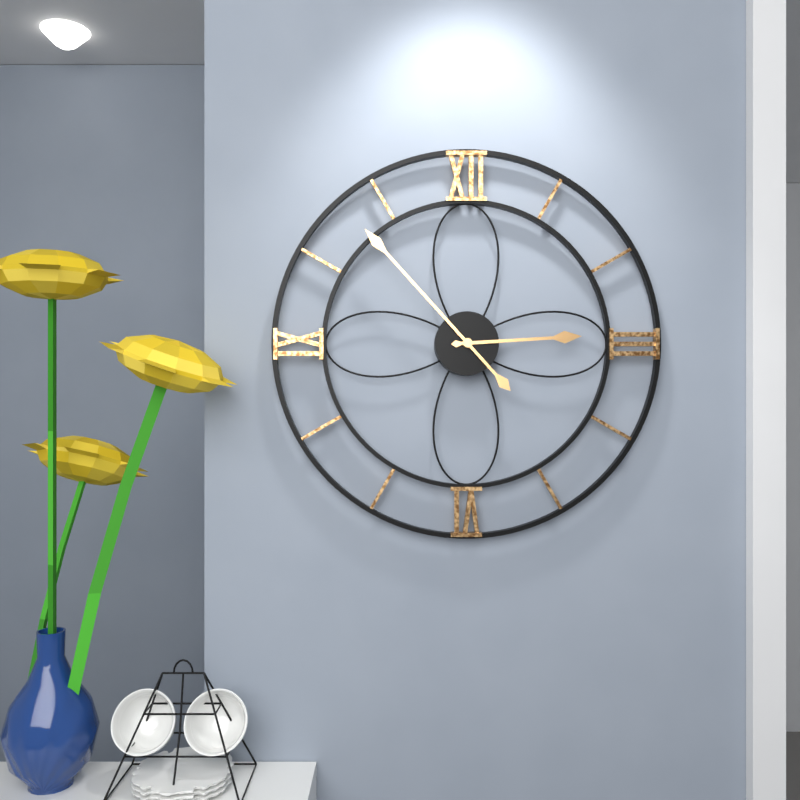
2:53
